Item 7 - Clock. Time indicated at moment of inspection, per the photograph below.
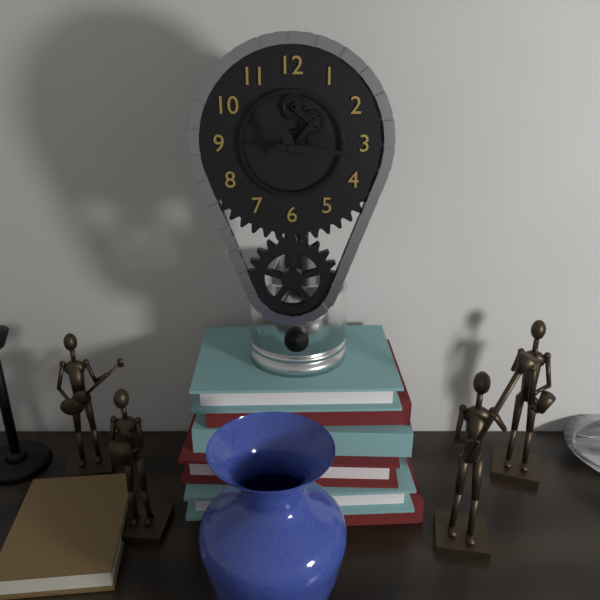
11:16
